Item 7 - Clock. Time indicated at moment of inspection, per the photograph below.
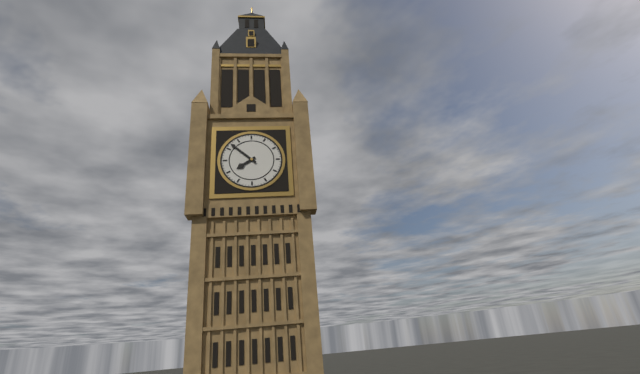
7:52
